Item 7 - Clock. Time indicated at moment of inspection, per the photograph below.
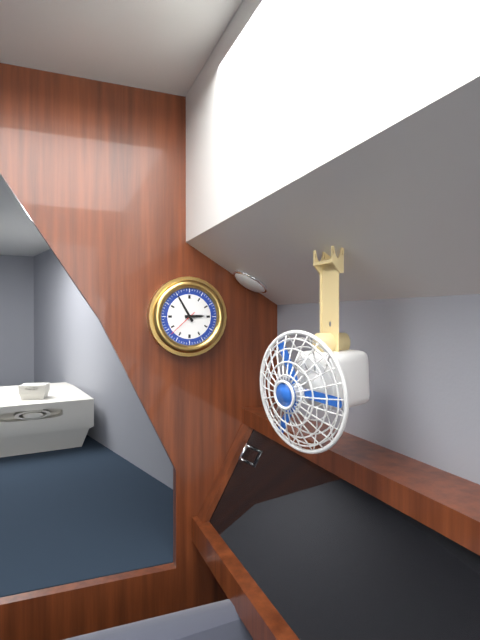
2:55
